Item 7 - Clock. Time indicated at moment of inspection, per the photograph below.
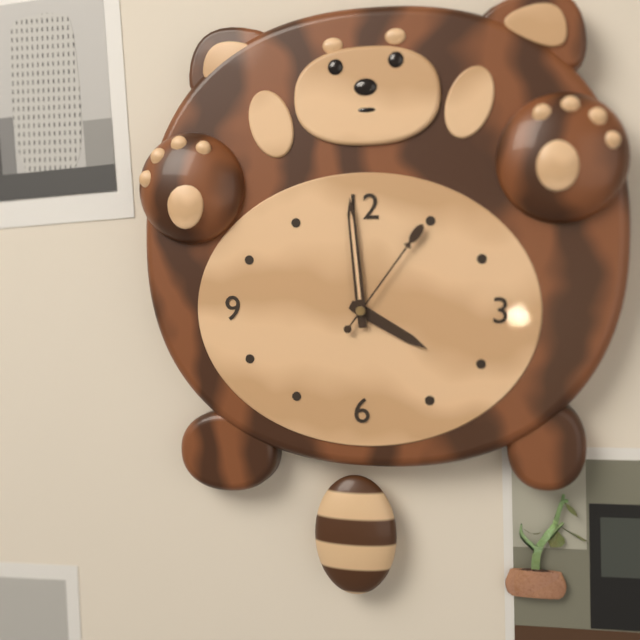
3:59:06
